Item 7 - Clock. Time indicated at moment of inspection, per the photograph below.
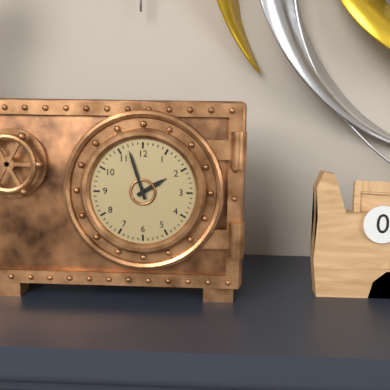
1:57
